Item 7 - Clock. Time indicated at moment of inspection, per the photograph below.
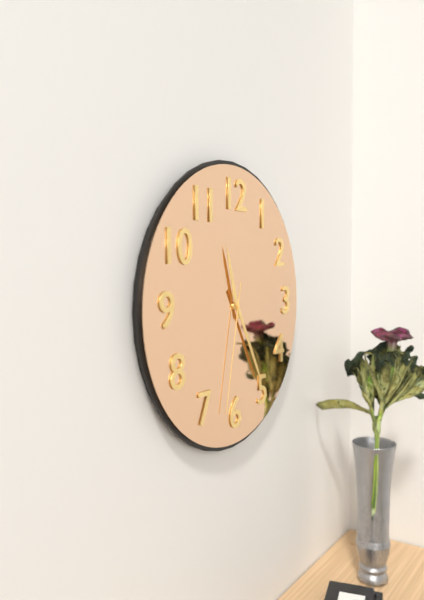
11:25:32
